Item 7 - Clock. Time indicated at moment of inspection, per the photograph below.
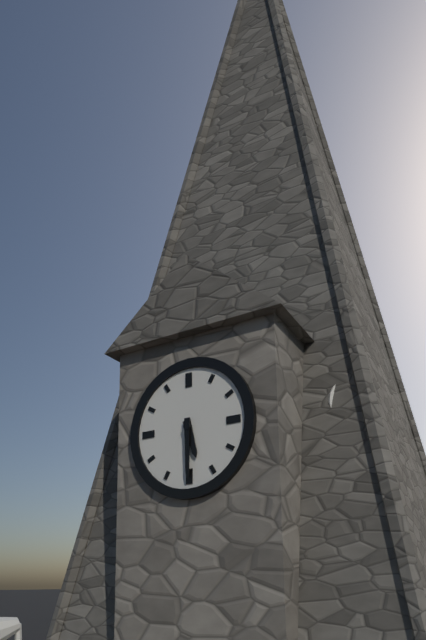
5:30
